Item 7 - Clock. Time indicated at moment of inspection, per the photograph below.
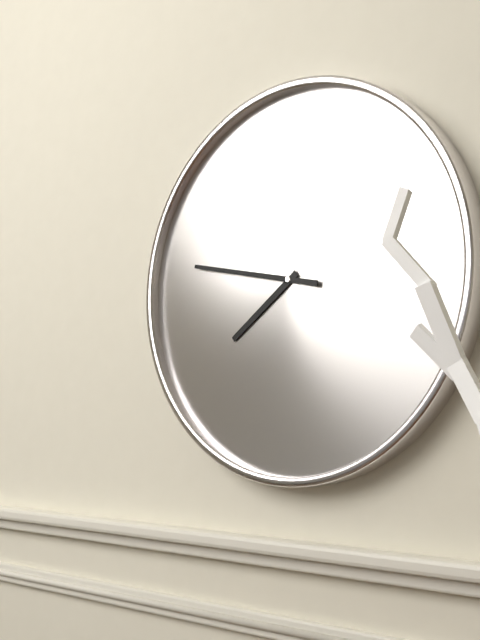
7:47
